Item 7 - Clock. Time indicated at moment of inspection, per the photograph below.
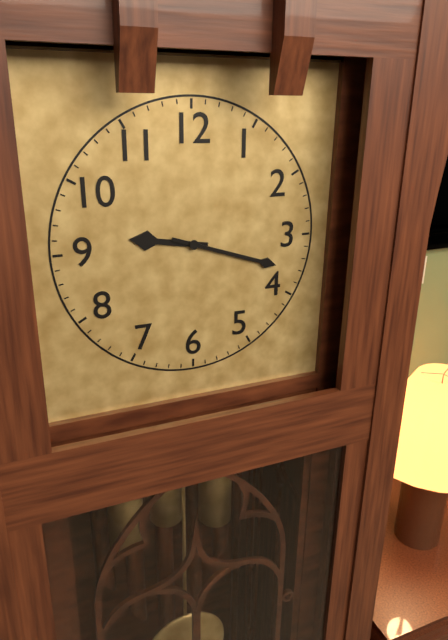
9:18
